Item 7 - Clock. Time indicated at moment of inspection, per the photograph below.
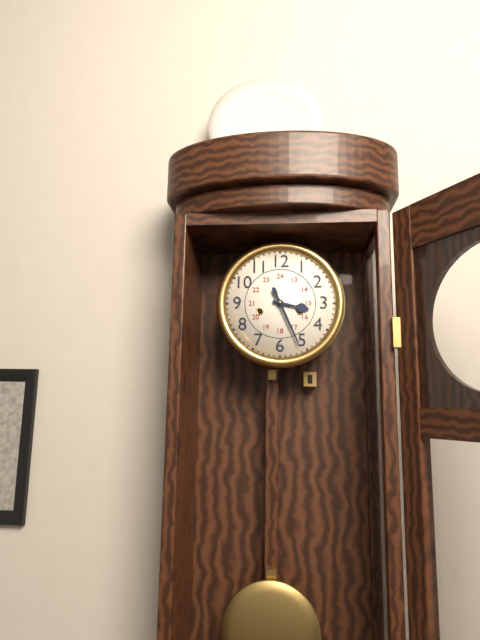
3:26
